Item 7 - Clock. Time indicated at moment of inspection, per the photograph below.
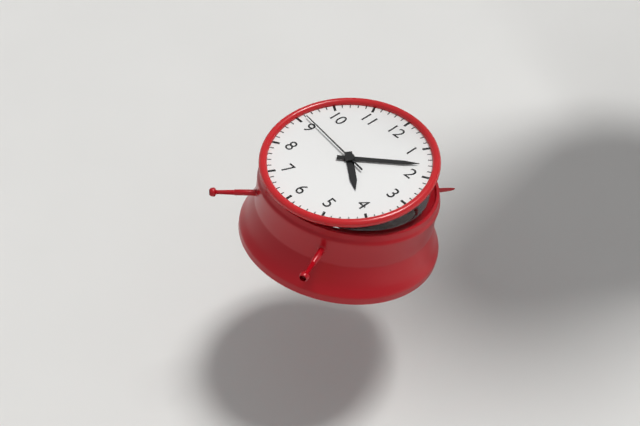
4:08:46
